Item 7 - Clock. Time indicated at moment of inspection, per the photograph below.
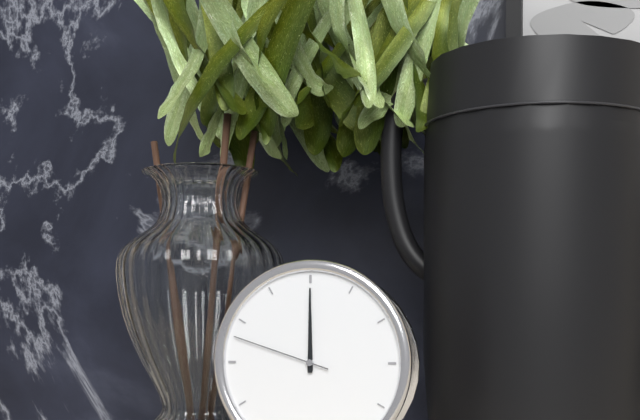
12:00:48
